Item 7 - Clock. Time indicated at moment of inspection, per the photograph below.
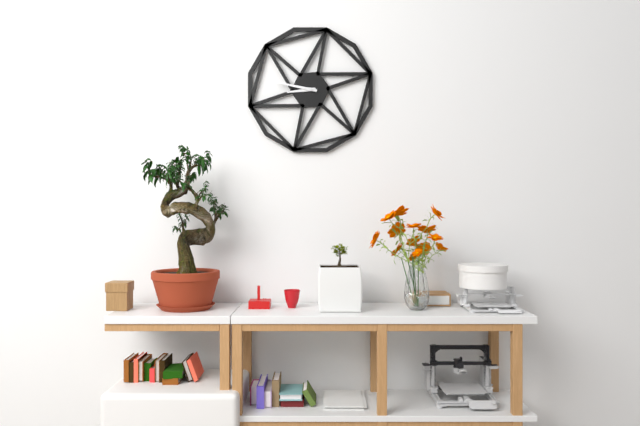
8:47
